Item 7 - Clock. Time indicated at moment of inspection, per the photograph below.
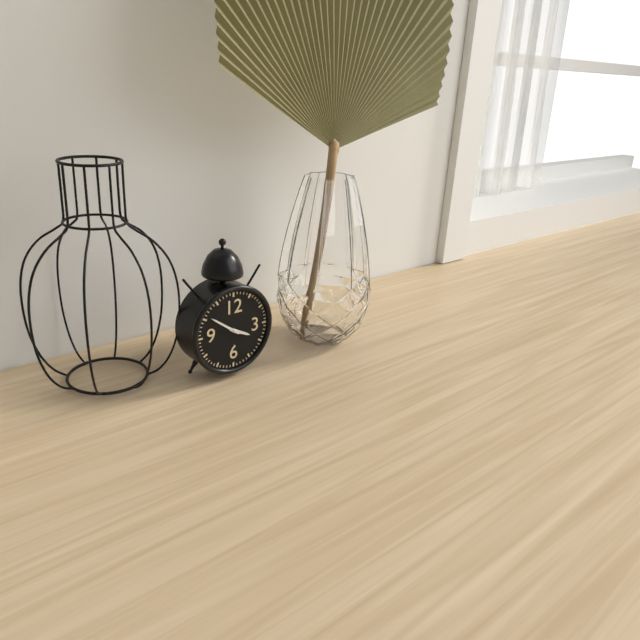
3:51
